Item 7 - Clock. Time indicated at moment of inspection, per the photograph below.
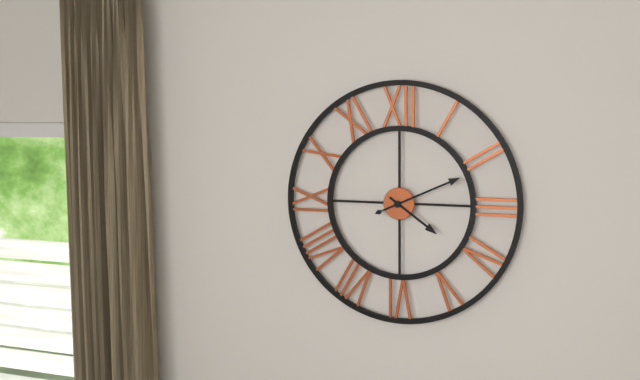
4:11
